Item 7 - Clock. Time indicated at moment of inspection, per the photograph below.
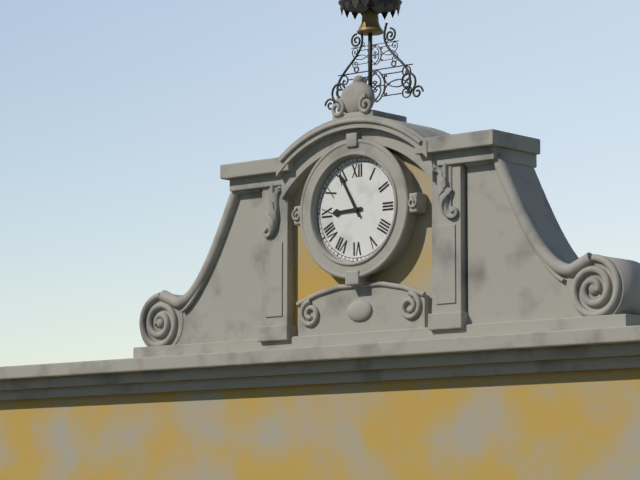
8:55
